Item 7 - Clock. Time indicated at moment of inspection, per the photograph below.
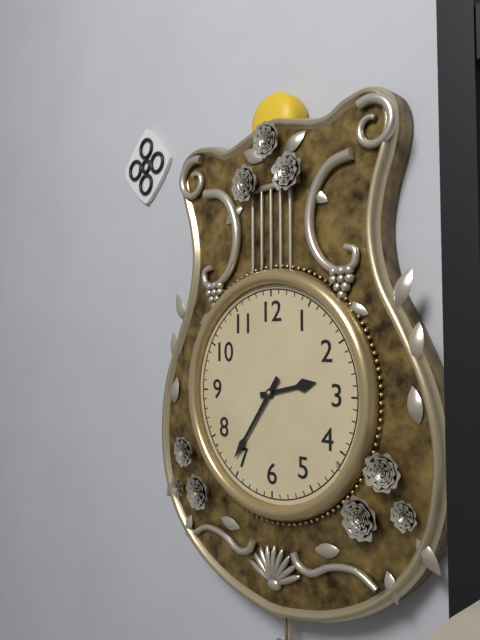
2:36
